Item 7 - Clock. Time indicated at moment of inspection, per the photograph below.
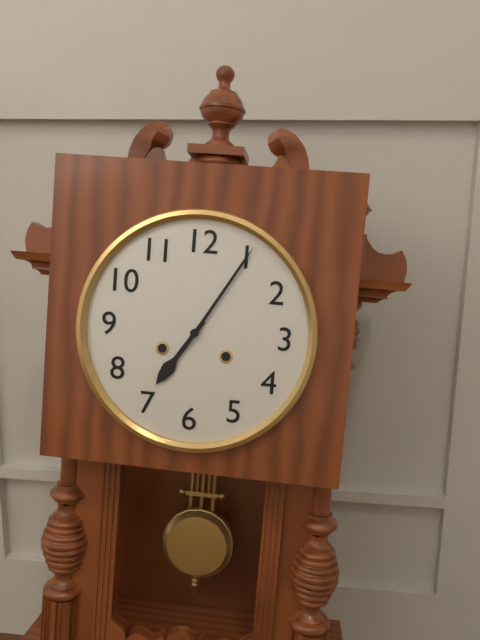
7:05
